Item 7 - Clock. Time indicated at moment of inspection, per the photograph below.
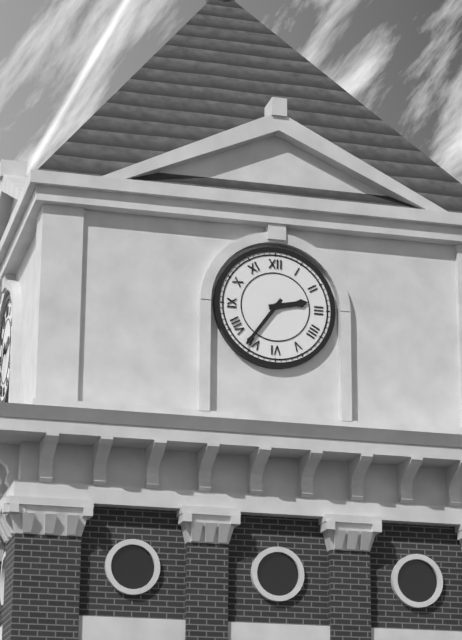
2:36
